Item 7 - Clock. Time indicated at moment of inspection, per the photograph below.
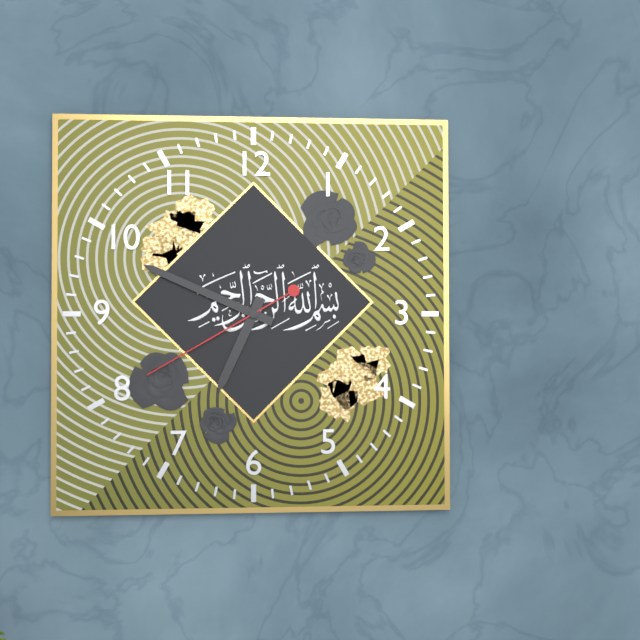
6:49:40
